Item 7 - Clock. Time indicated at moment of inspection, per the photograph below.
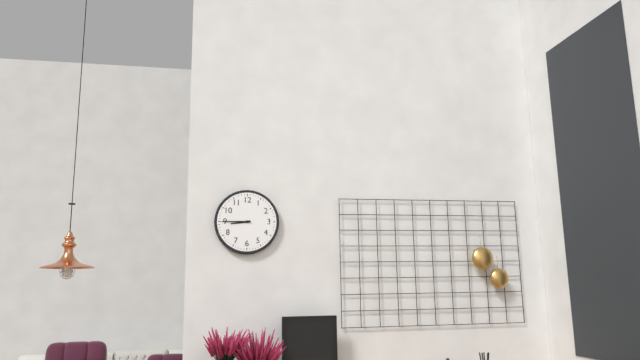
8:45
